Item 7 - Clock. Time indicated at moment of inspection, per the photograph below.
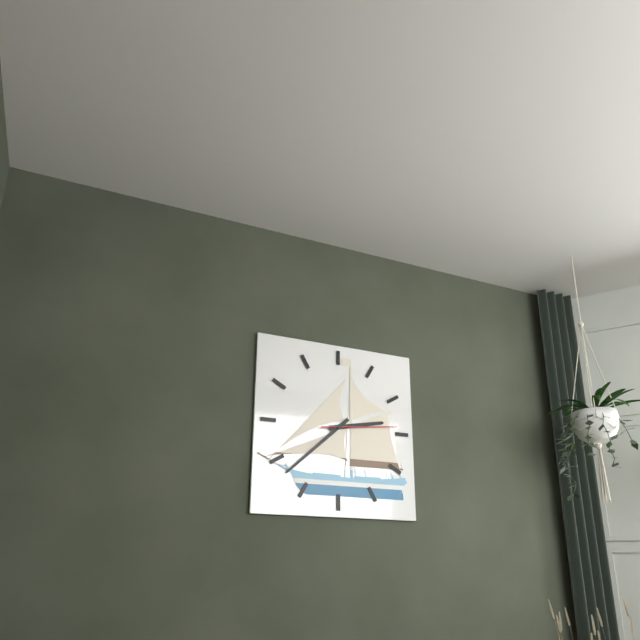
2:38:14
